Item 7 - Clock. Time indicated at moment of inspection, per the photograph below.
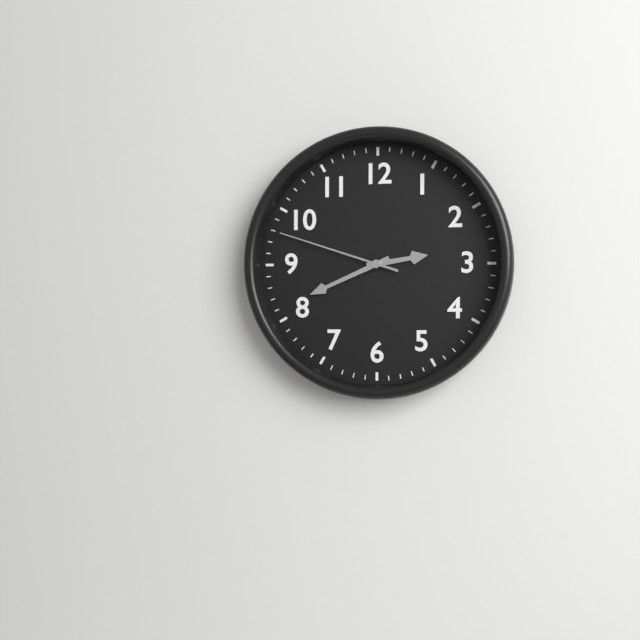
2:41:48
